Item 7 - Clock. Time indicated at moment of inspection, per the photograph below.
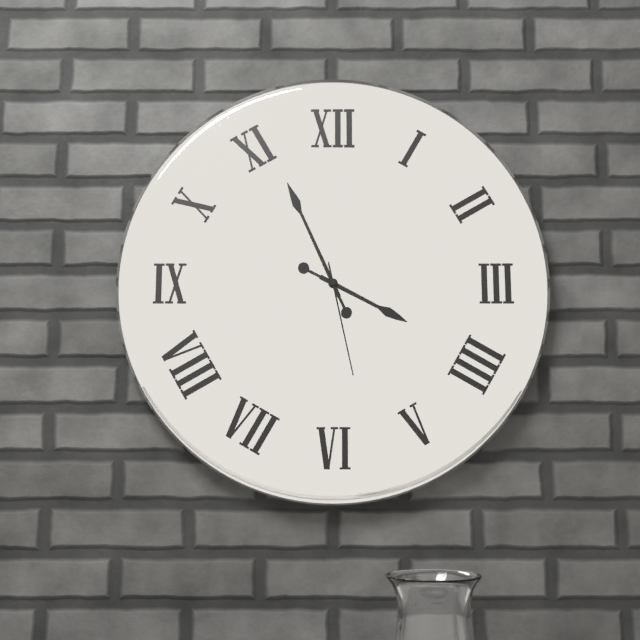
3:56:28
